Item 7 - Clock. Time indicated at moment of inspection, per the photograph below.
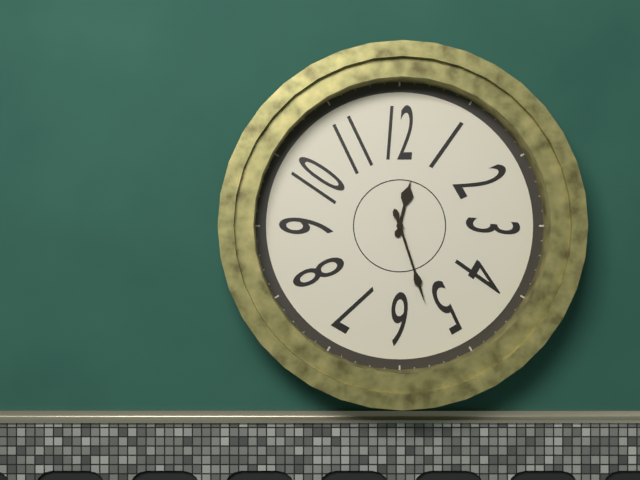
12:27
